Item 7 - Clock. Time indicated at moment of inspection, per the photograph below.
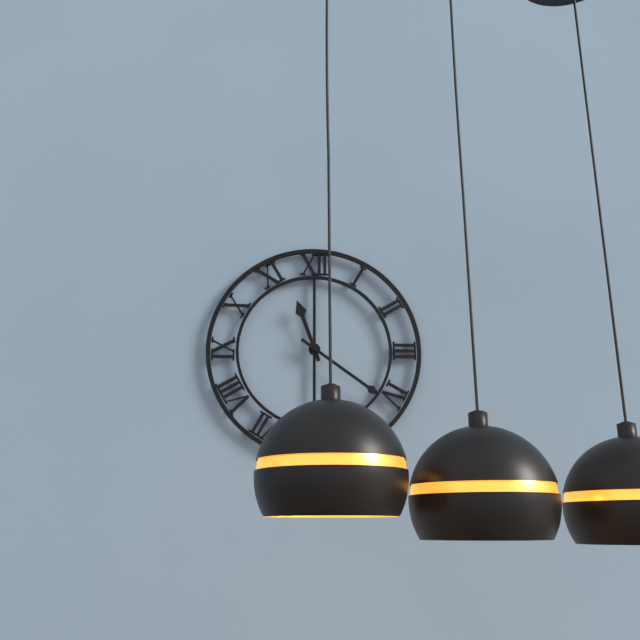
11:21
